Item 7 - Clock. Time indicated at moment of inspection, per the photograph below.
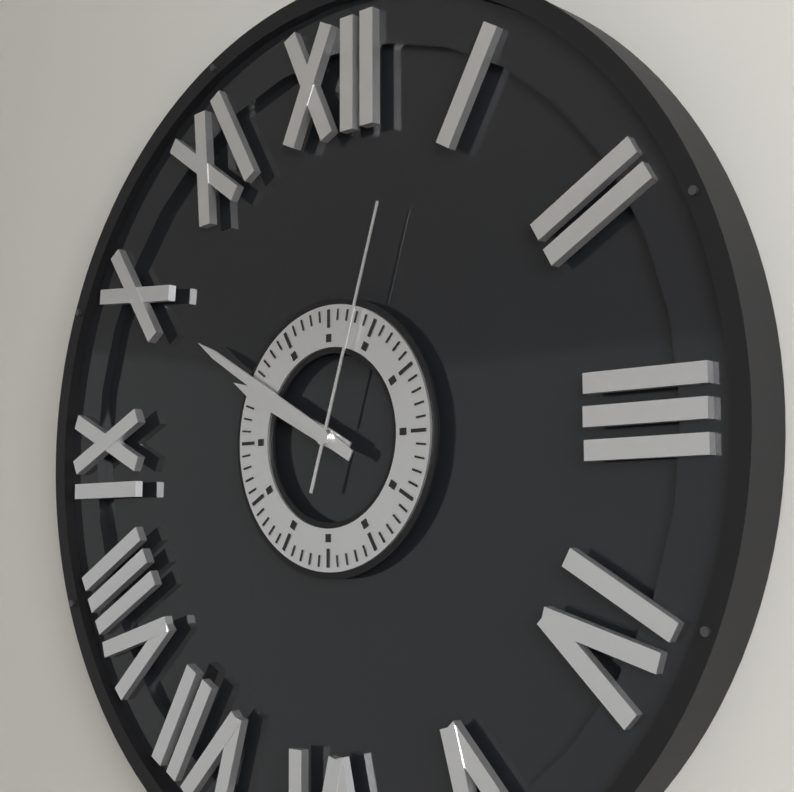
9:50:03
